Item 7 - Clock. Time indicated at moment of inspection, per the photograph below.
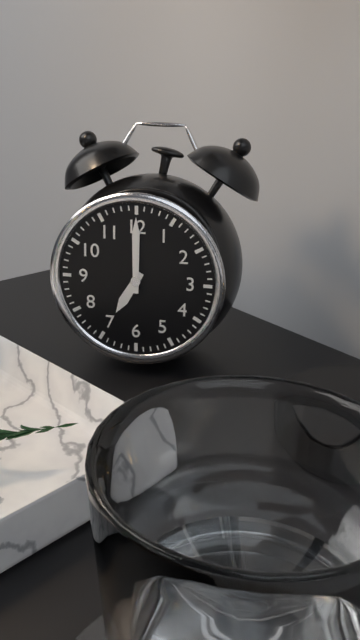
7:00
